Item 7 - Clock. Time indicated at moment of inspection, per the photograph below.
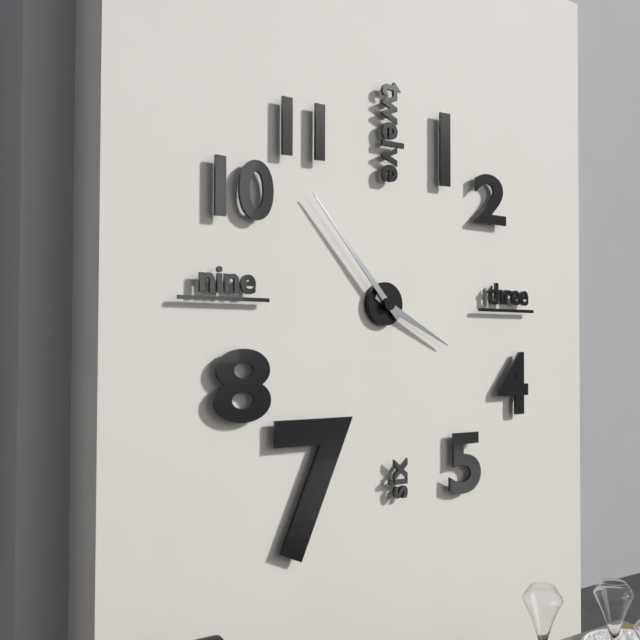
3:53
